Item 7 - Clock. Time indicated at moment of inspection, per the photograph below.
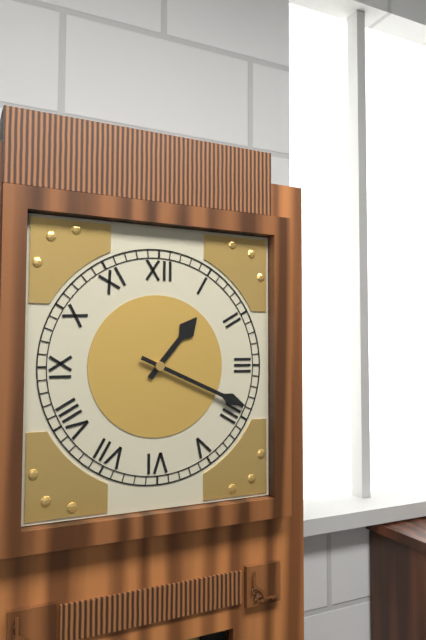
1:19
